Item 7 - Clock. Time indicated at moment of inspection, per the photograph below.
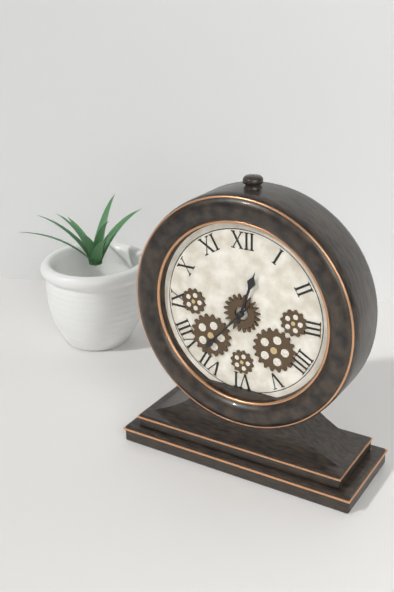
12:37
